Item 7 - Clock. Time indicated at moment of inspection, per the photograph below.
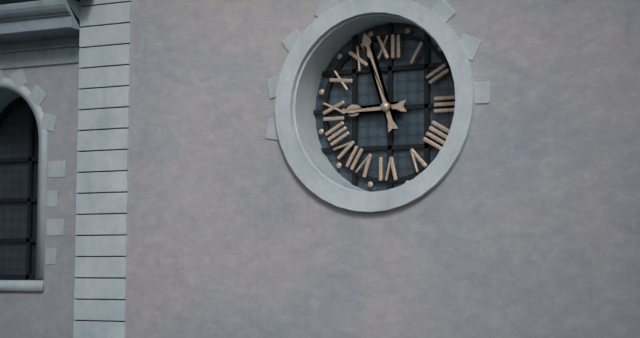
8:57
